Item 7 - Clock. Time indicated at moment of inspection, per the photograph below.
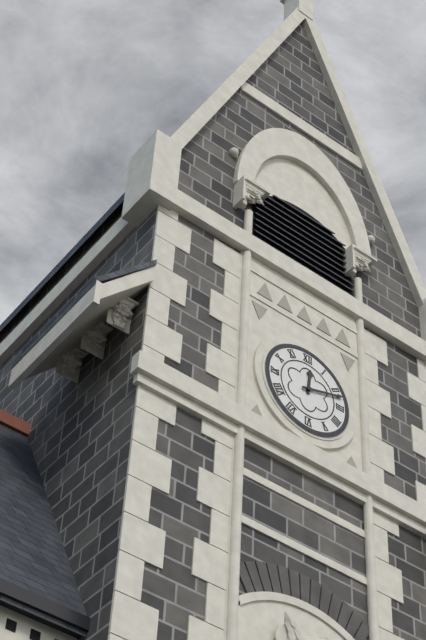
12:12
